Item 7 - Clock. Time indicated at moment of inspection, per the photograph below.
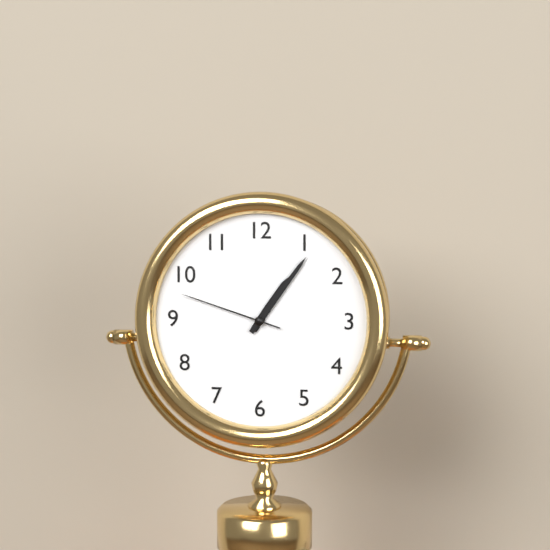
1:06:48
